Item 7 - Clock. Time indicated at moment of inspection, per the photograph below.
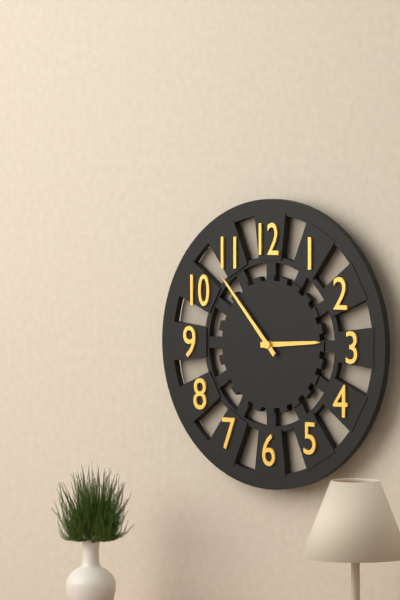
2:53
